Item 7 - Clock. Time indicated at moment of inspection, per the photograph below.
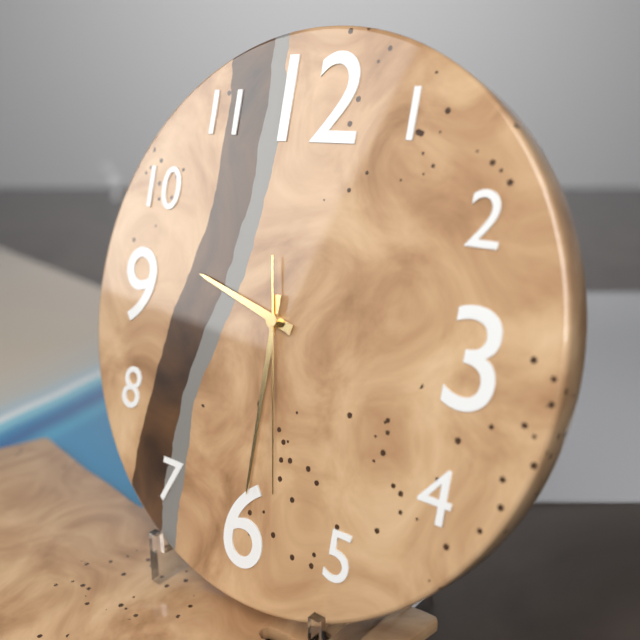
9:30:28
